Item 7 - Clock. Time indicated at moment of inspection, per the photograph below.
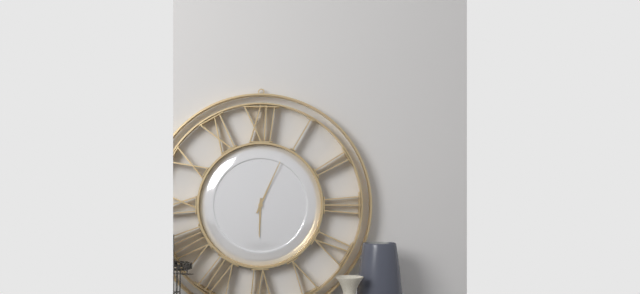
6:04
